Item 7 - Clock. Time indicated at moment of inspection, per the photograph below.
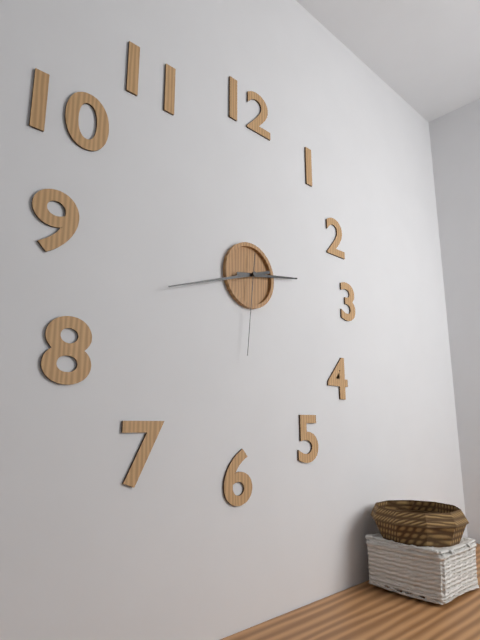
2:42:31
